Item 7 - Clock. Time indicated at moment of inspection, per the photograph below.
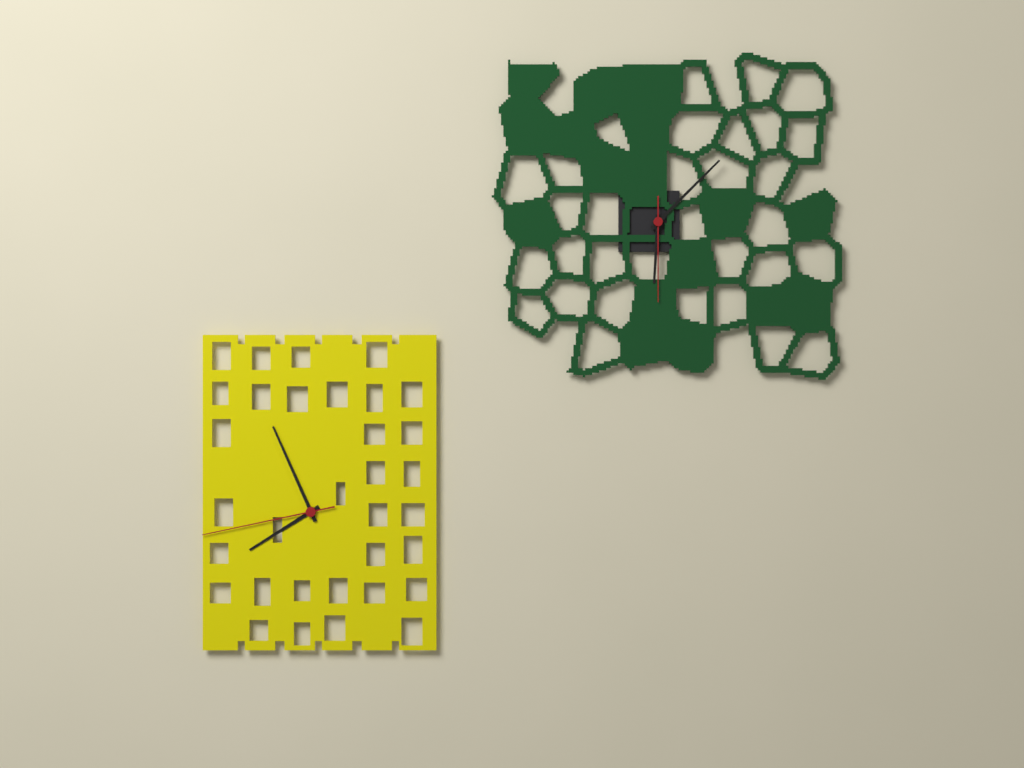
7:56:43
